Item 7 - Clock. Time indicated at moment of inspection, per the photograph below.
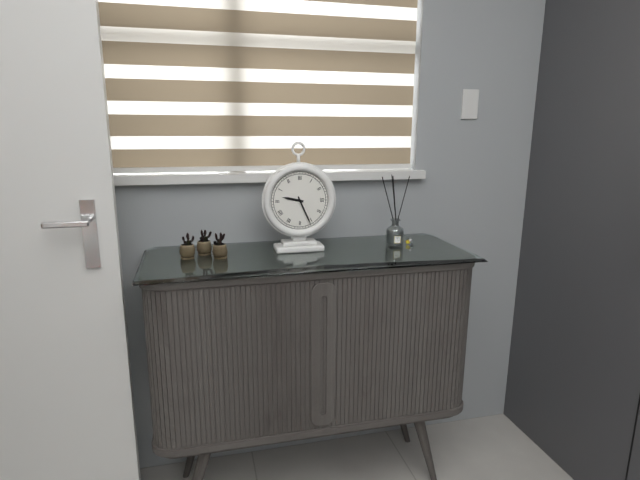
9:26
